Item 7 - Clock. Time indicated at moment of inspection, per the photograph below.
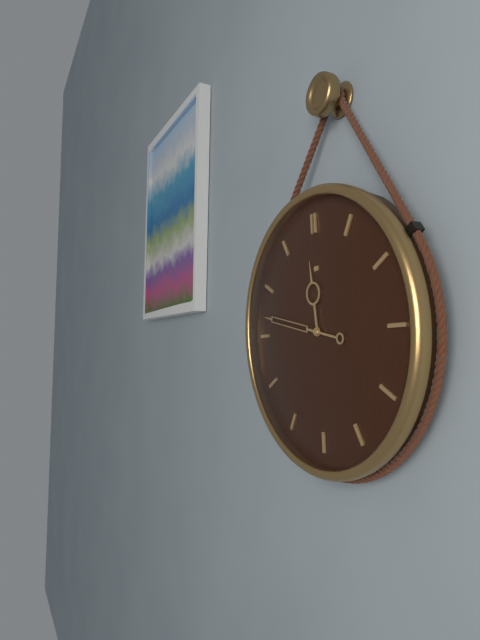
11:47
